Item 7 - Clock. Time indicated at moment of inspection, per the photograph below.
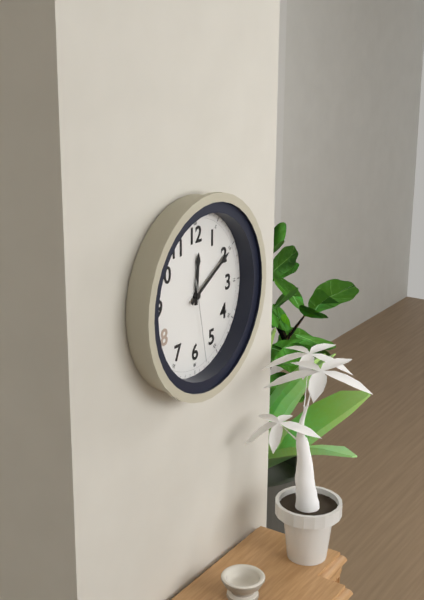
12:10:28
